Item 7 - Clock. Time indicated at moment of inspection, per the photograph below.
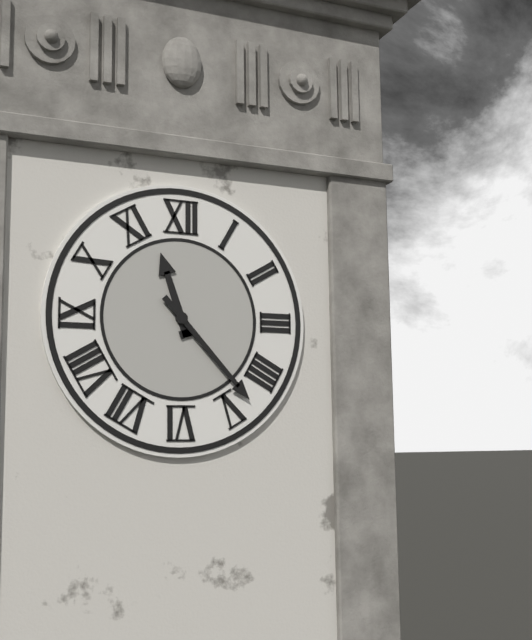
11:23
